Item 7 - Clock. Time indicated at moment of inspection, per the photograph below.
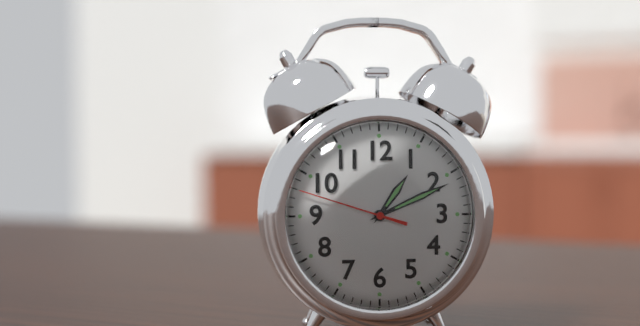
1:11:48
